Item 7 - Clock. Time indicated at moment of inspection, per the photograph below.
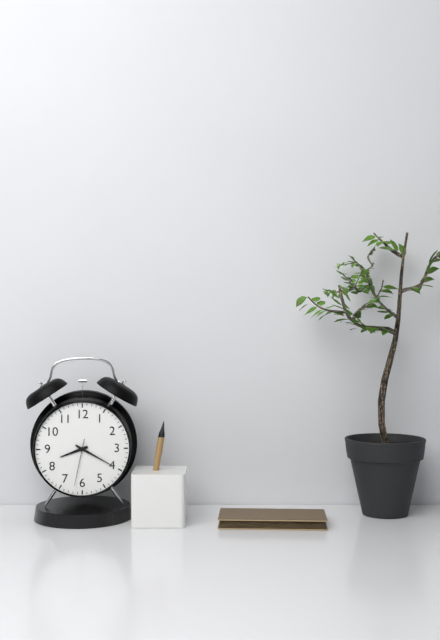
8:20
